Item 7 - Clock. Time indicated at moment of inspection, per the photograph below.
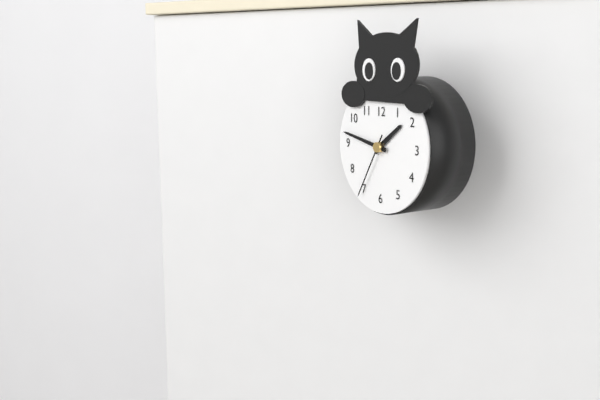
1:47:35
